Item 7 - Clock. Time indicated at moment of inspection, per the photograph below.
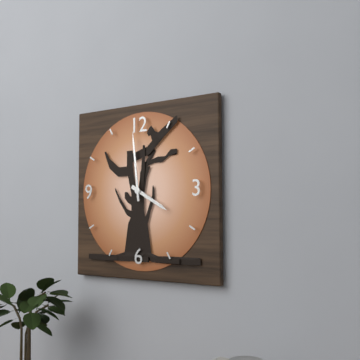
3:59
